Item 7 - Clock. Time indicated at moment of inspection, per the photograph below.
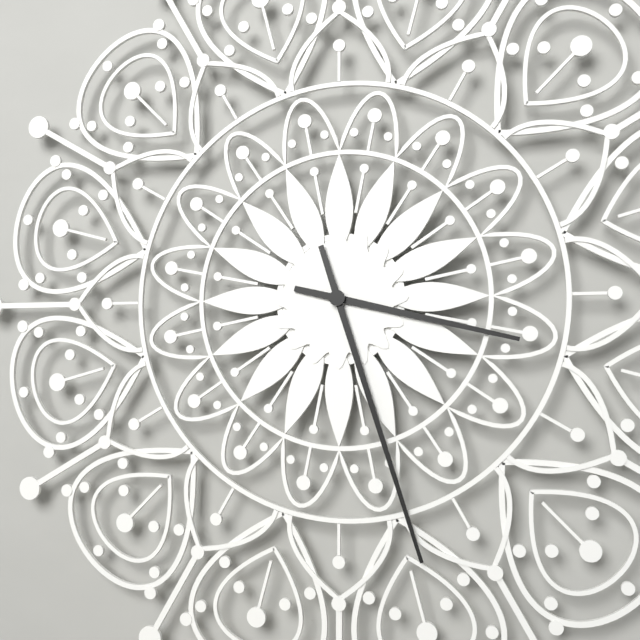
3:27
